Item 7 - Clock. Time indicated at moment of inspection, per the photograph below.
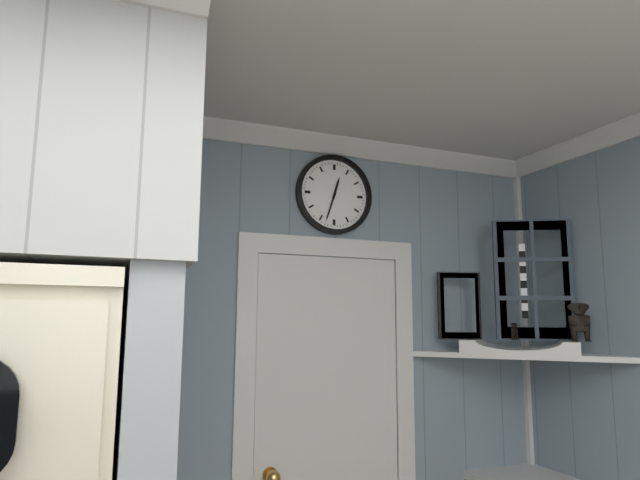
12:33
